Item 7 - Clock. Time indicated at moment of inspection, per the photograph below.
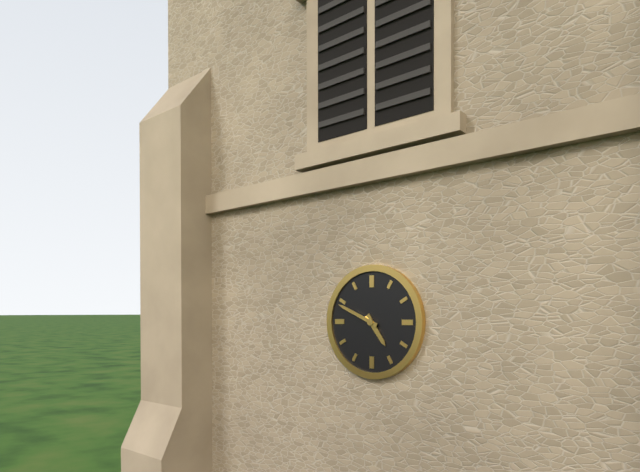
4:49
